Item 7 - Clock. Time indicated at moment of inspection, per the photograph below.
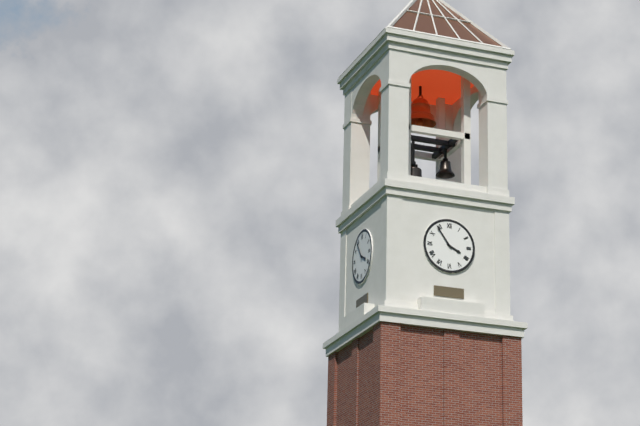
3:54
